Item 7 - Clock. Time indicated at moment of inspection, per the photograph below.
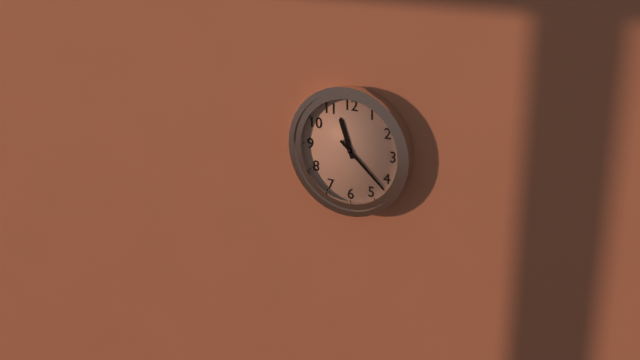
11:22
